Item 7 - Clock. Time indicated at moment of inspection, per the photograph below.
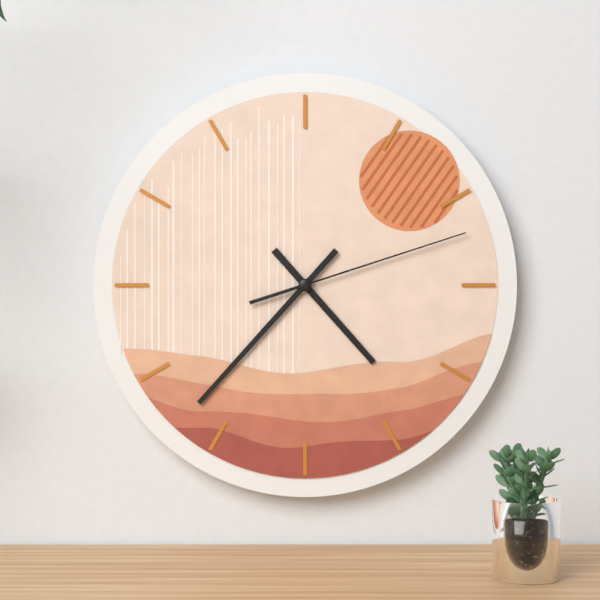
4:37:12
